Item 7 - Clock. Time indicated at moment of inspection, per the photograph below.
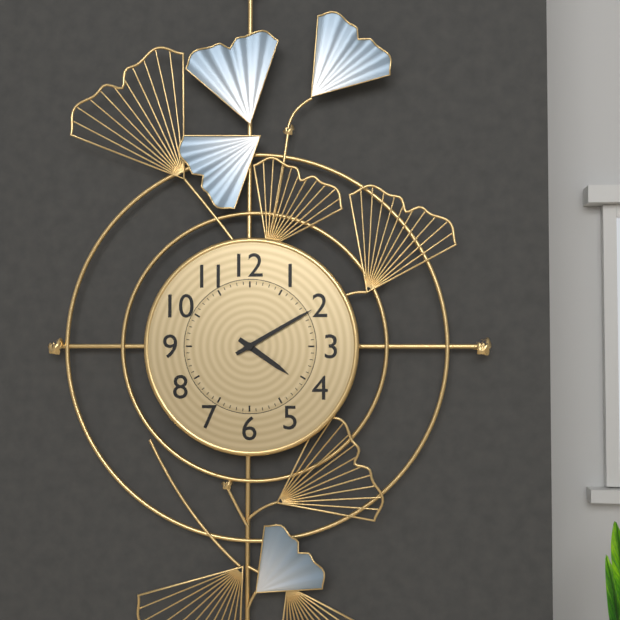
4:10
